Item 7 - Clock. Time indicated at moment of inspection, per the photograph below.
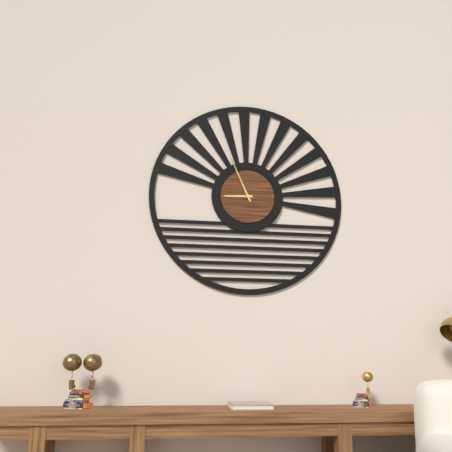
8:56
